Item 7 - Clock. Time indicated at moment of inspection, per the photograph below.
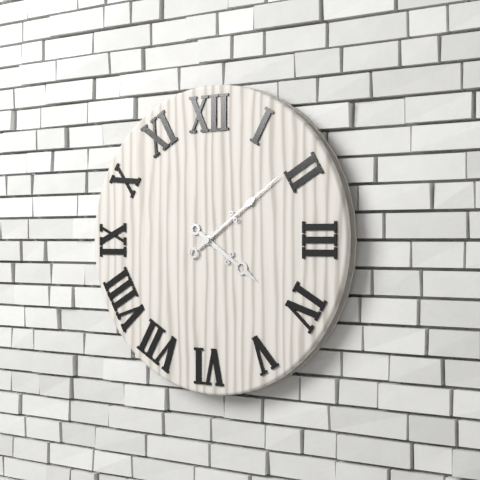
4:09
